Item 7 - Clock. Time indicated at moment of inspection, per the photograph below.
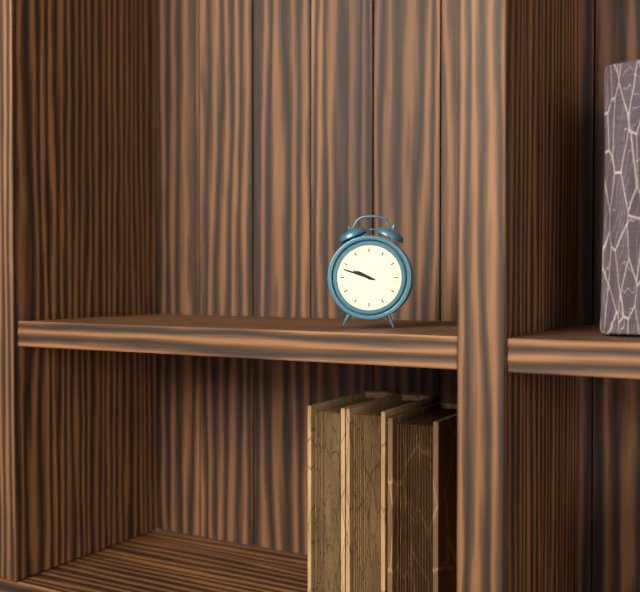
9:48
